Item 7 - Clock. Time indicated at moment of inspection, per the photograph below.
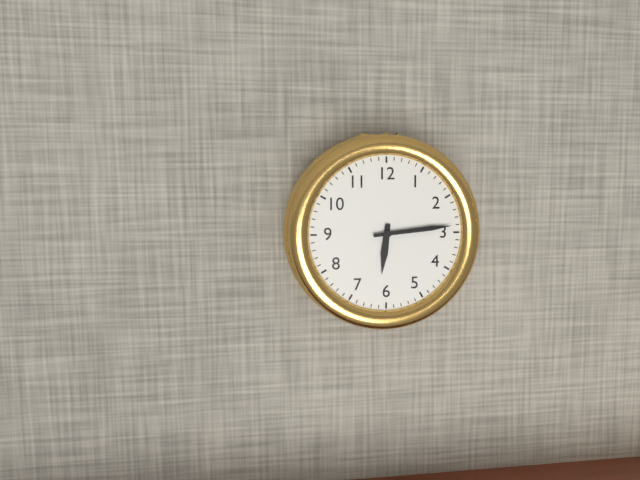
6:14
